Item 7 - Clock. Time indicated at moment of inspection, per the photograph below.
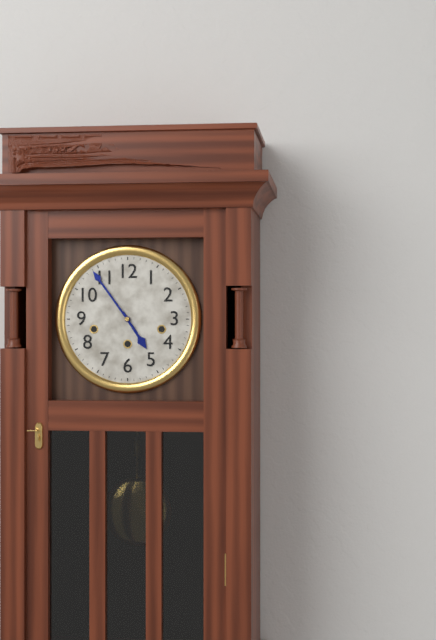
4:54
